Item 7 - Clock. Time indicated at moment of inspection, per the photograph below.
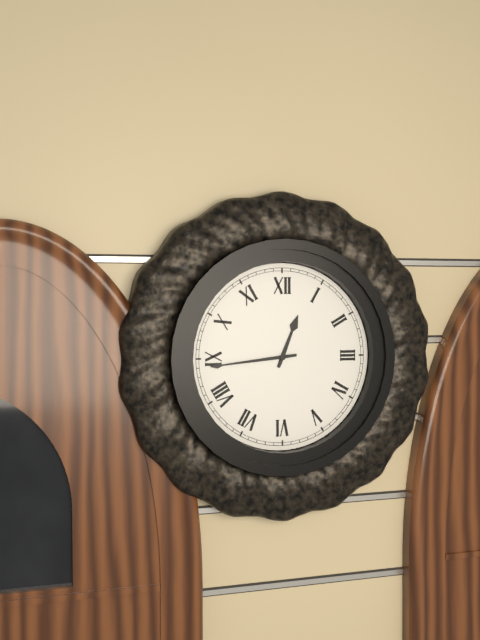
12:44
